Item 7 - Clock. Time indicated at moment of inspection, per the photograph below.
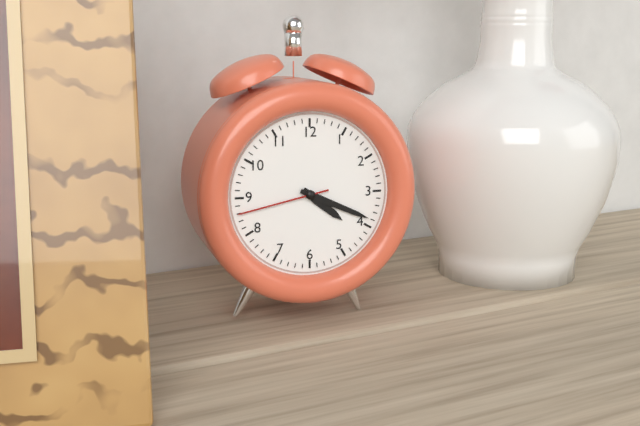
4:19:43
